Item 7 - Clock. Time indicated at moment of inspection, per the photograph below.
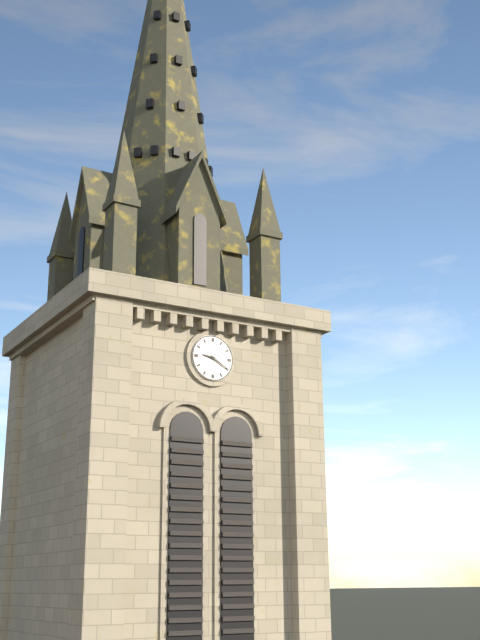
9:20
